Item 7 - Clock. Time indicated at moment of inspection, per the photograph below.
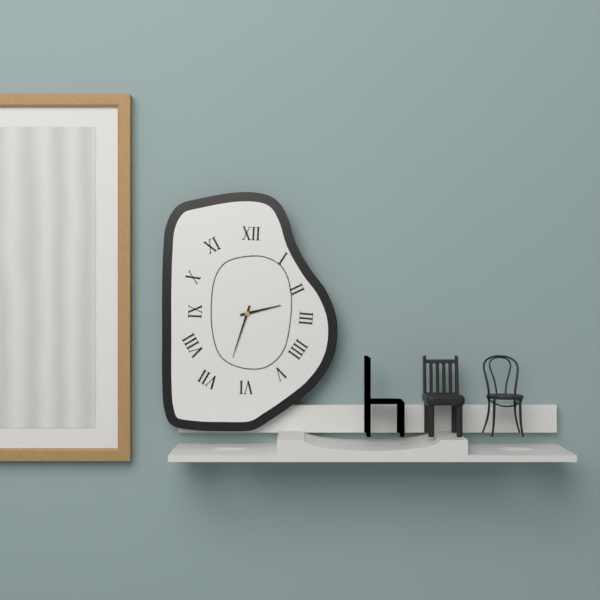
2:33
